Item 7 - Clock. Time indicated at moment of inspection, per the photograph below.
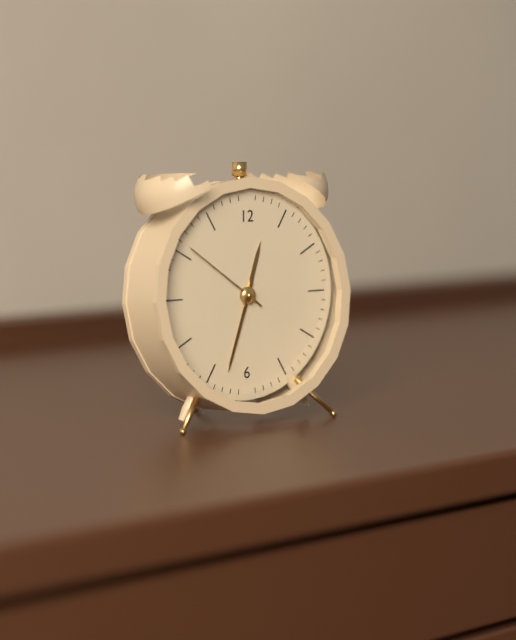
12:33:51
